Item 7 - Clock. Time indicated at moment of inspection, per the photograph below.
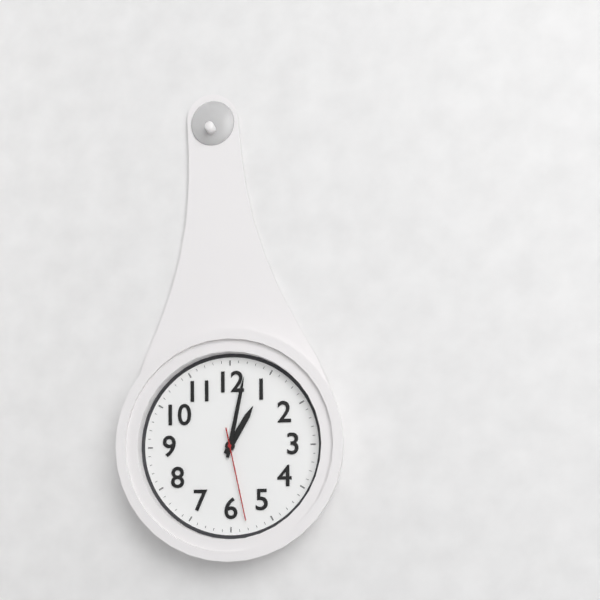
1:02:28
